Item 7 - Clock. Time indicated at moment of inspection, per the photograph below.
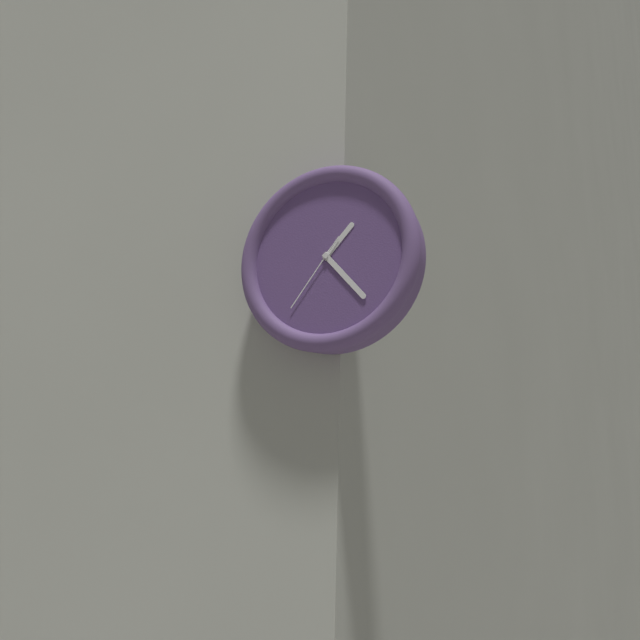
1:23:36
